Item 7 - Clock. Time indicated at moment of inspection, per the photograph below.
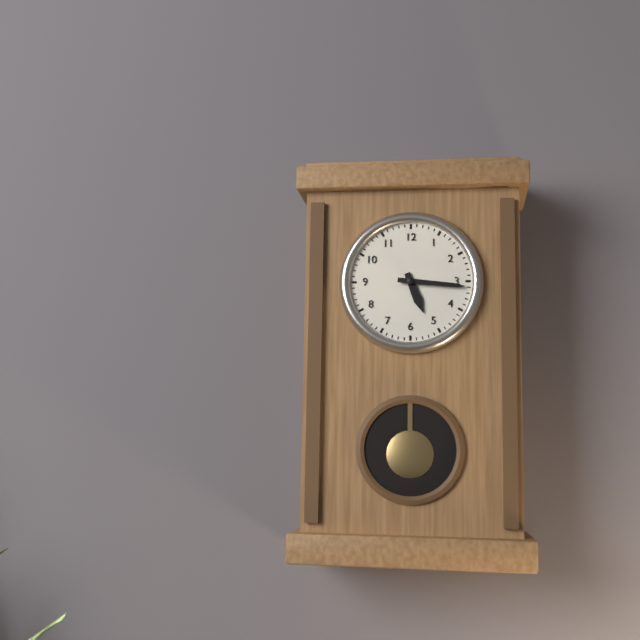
5:16
